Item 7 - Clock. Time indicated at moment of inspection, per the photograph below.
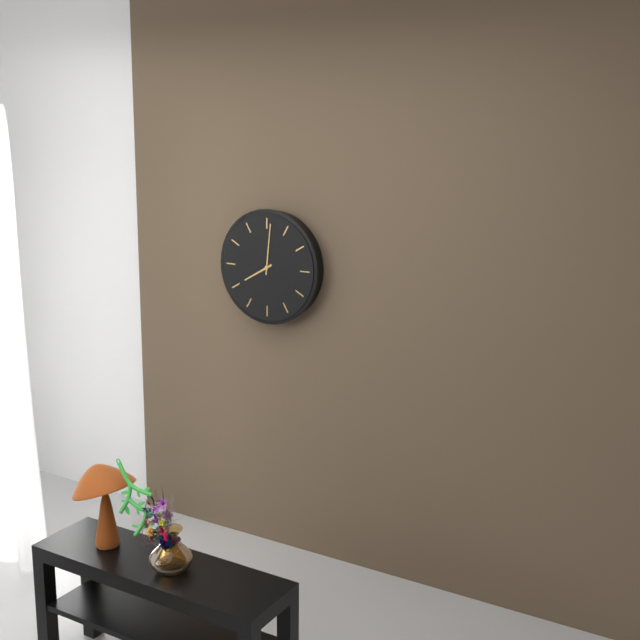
8:01
